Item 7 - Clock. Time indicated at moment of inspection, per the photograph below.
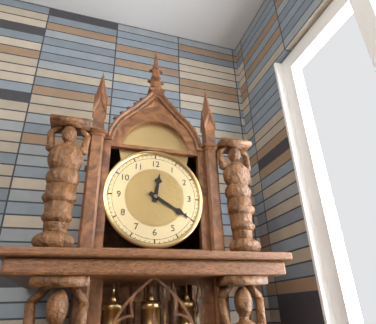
12:20
